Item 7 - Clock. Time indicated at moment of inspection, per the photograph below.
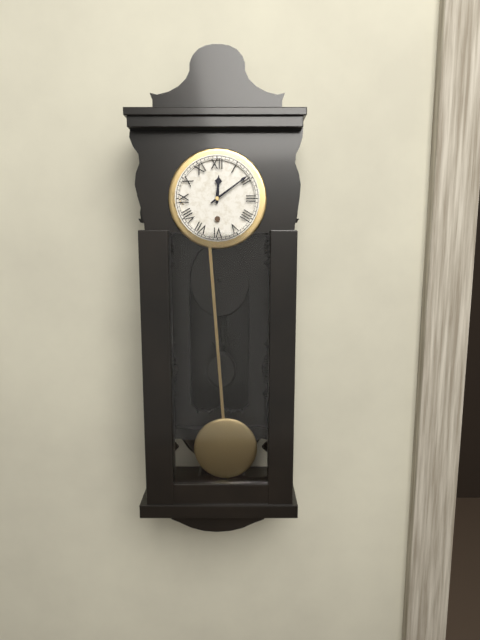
12:09
